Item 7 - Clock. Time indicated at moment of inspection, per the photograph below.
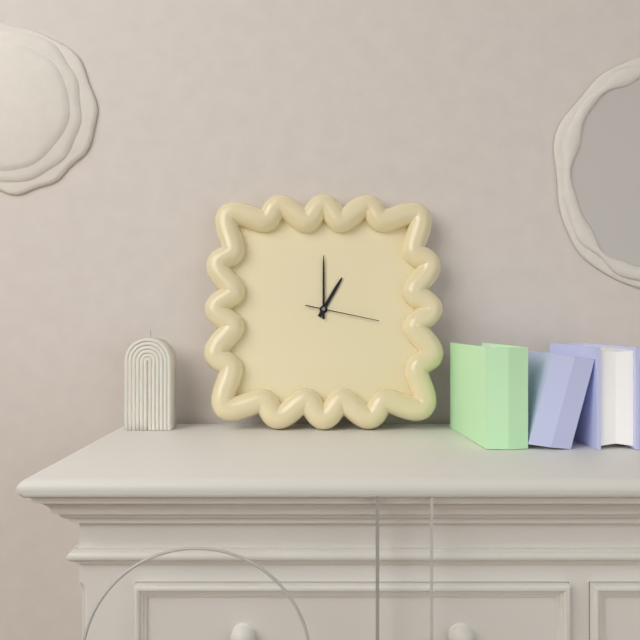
1:00:17
